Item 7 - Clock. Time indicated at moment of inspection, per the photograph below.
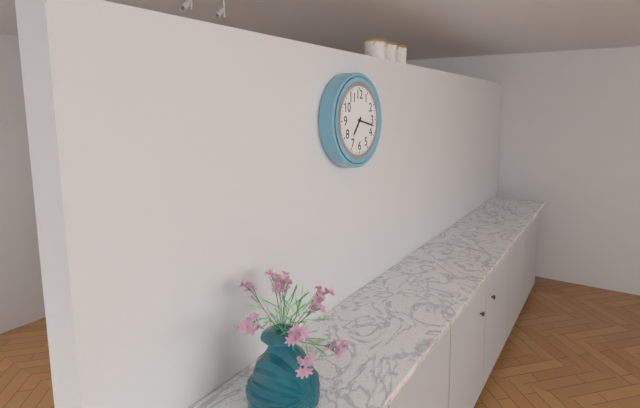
7:17
